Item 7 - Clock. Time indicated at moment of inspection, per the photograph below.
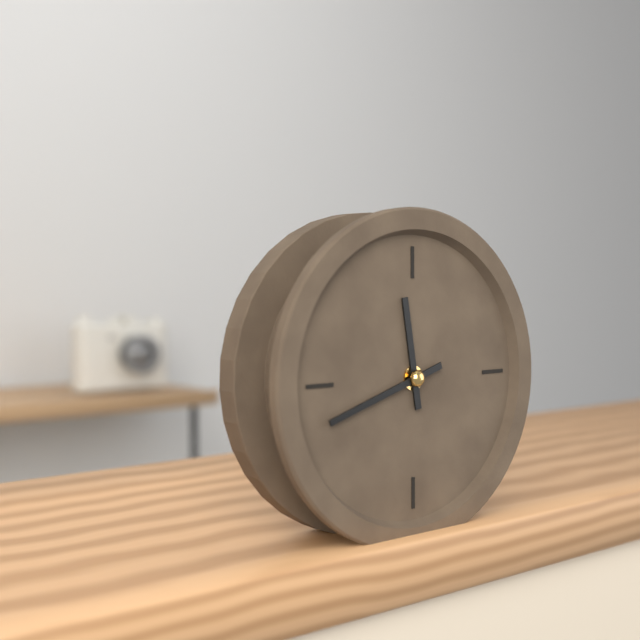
11:42
